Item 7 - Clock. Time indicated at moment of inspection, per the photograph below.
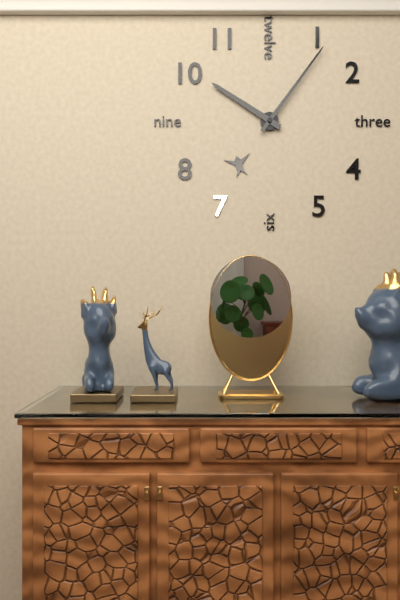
10:06
